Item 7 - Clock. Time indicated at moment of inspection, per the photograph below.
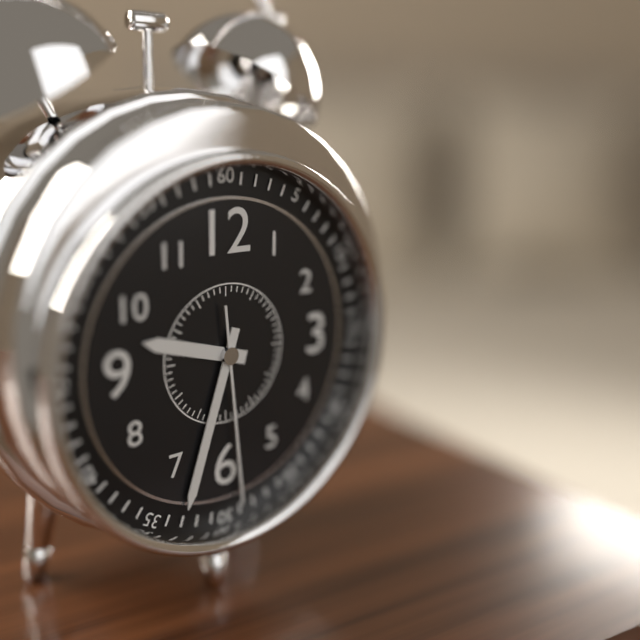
9:33:29
